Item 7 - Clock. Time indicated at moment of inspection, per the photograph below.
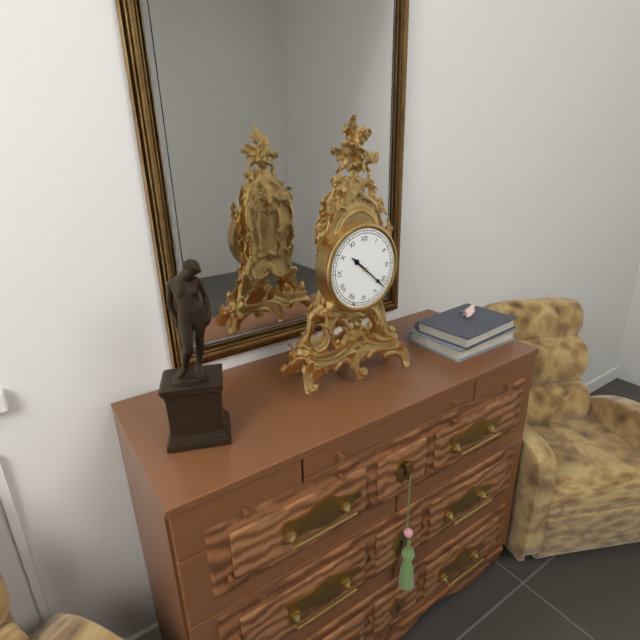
10:22
